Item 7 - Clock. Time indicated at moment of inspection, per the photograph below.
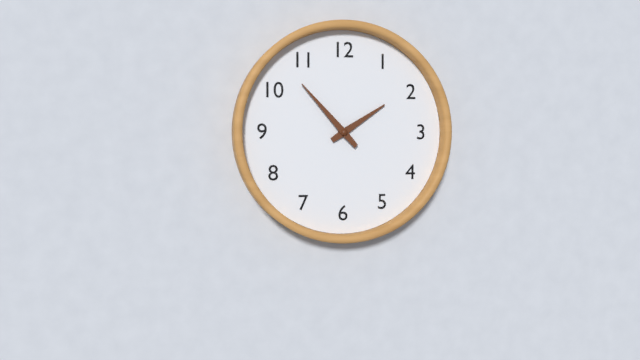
1:53
